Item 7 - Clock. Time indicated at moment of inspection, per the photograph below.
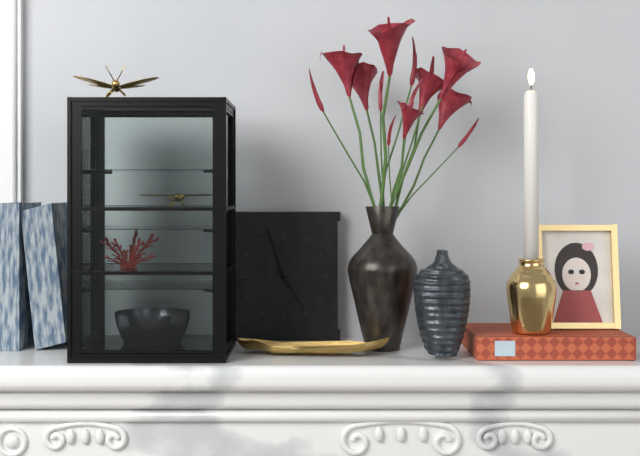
4:57
